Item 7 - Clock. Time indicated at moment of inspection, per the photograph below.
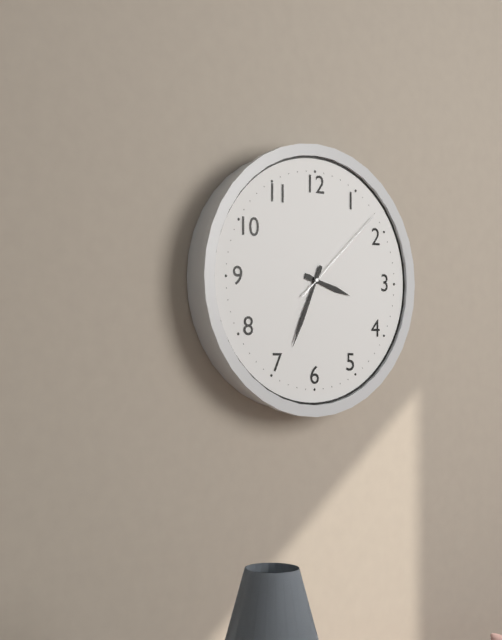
3:34:08
